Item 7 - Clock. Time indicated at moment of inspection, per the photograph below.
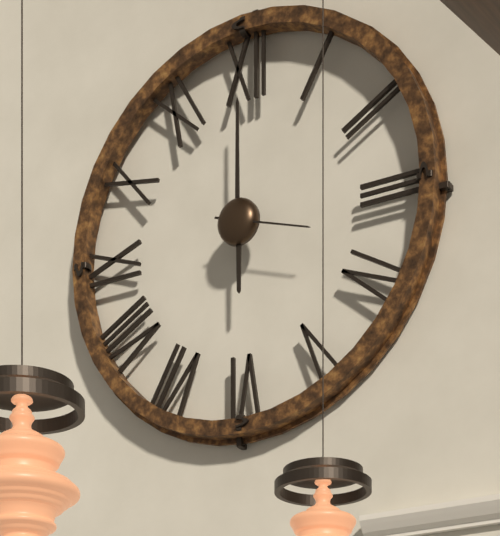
6:00:18
